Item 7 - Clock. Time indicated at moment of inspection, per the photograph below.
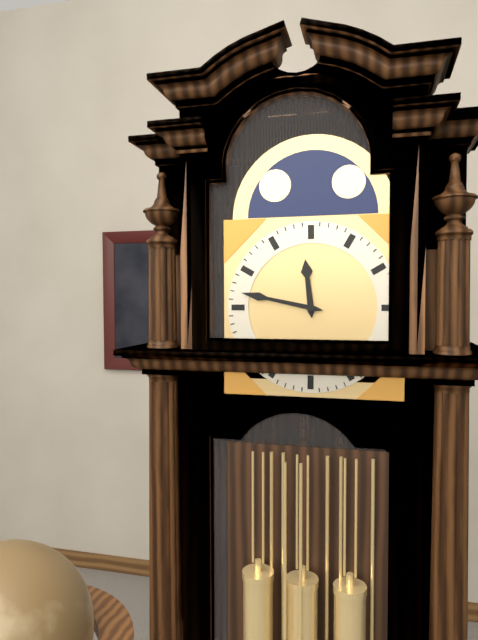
11:47
